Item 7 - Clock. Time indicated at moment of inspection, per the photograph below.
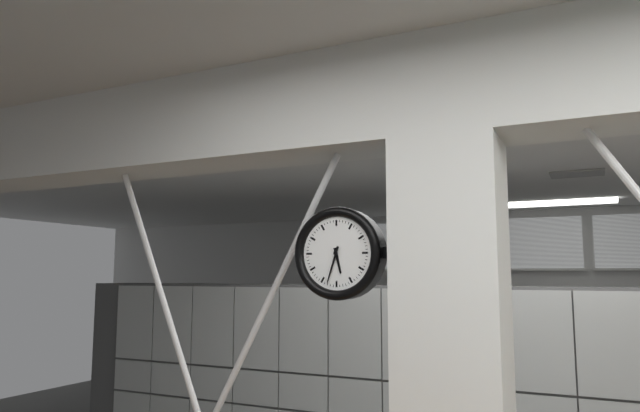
5:33
